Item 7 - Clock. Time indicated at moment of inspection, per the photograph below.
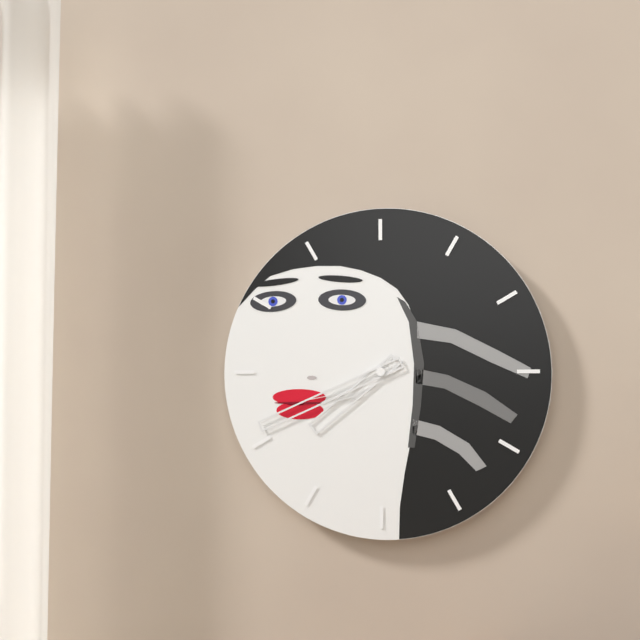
7:41
